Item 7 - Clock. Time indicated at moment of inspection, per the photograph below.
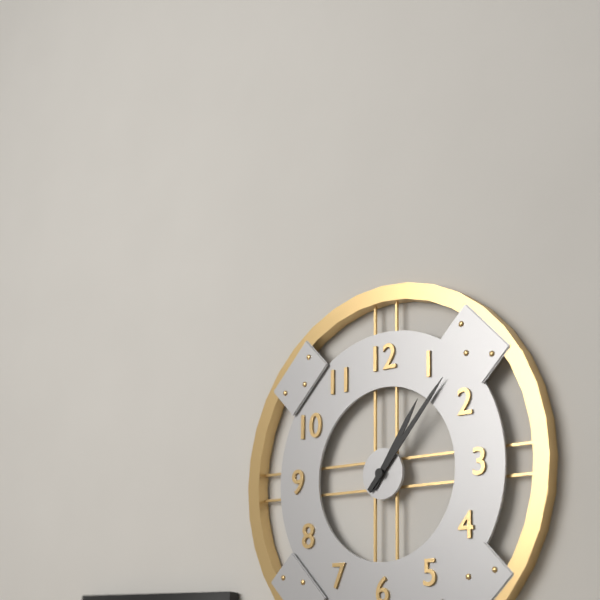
1:07
